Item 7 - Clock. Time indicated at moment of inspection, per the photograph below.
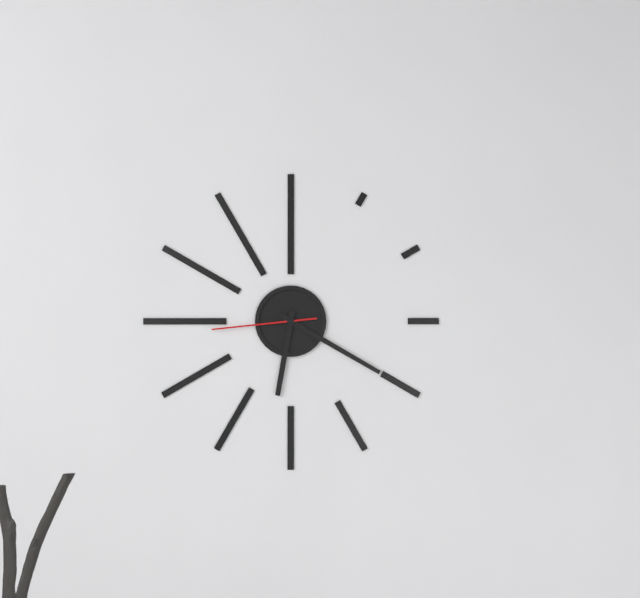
6:20:44
